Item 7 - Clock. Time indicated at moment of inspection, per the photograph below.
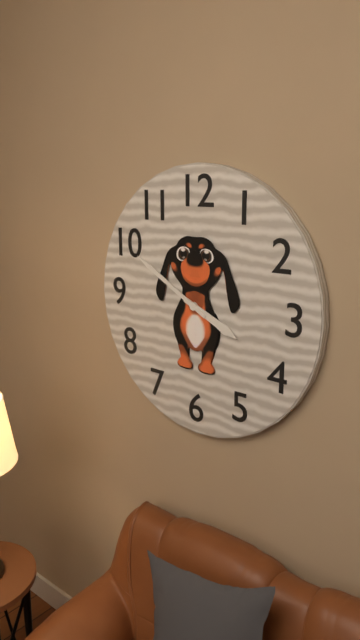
3:50
